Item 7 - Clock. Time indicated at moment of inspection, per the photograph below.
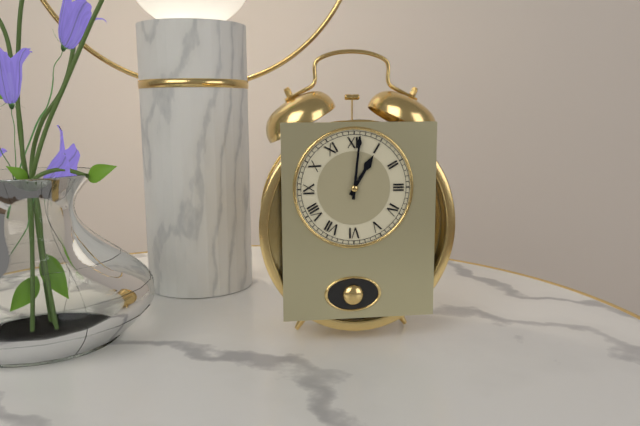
1:01
